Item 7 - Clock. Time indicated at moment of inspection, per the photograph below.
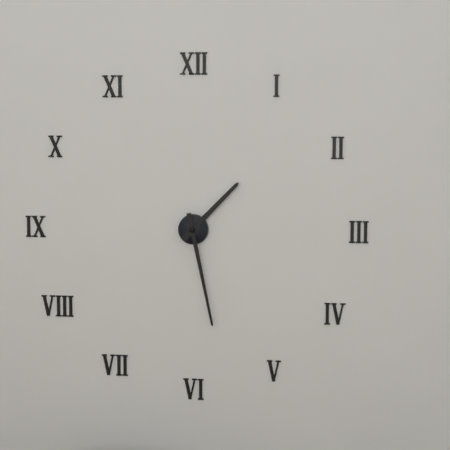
1:28
